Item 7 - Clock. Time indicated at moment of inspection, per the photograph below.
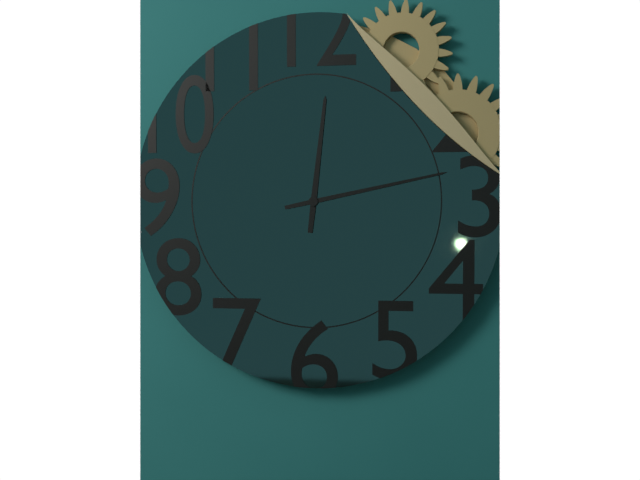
12:13
